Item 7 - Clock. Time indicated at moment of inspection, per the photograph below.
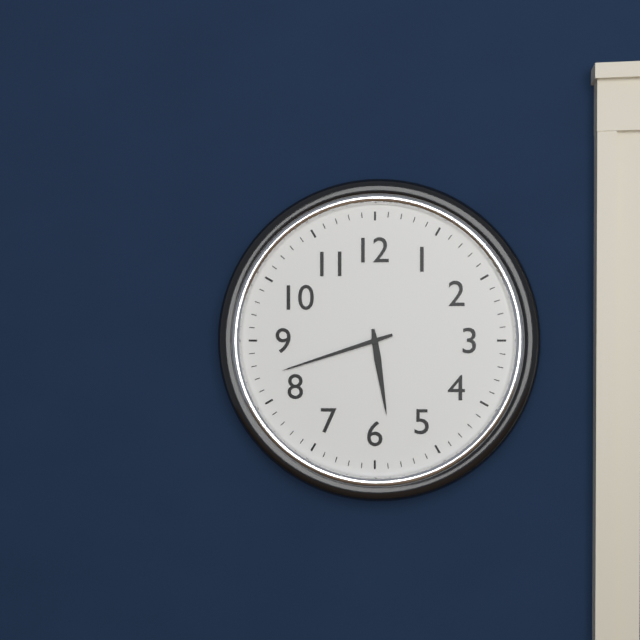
5:42
